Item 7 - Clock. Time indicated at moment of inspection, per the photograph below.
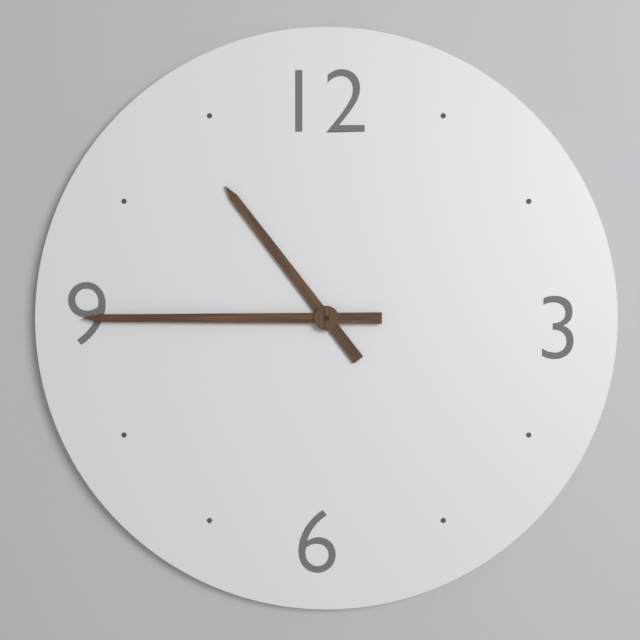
10:45
